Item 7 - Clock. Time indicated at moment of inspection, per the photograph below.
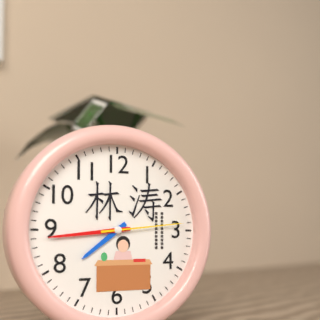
7:44:14
